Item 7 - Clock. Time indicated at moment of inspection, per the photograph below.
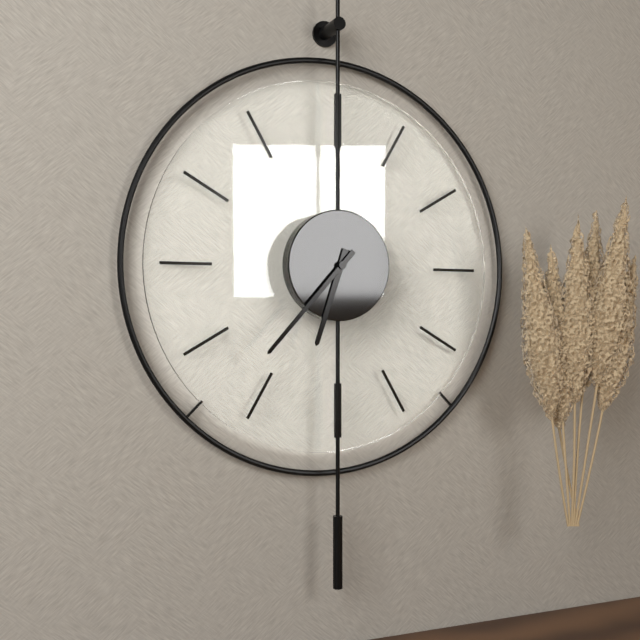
6:37
